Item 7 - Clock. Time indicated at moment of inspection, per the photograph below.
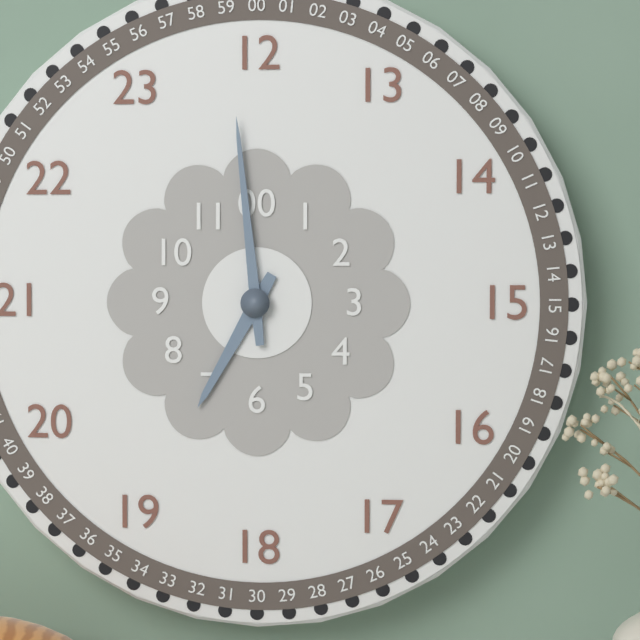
6:59
